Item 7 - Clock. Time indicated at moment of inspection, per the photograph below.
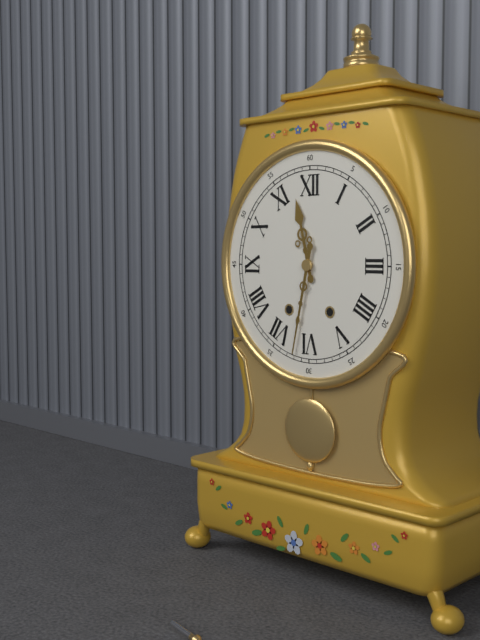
11:32
